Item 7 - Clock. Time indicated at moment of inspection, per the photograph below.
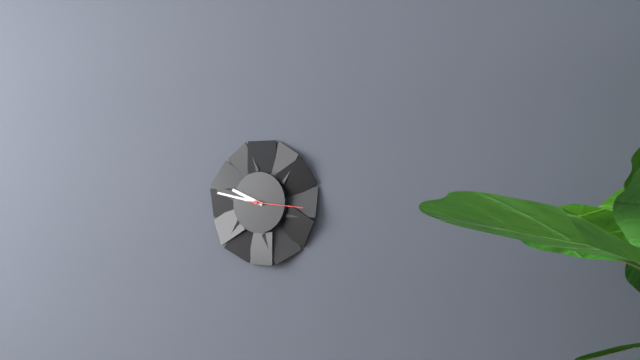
9:47:16
